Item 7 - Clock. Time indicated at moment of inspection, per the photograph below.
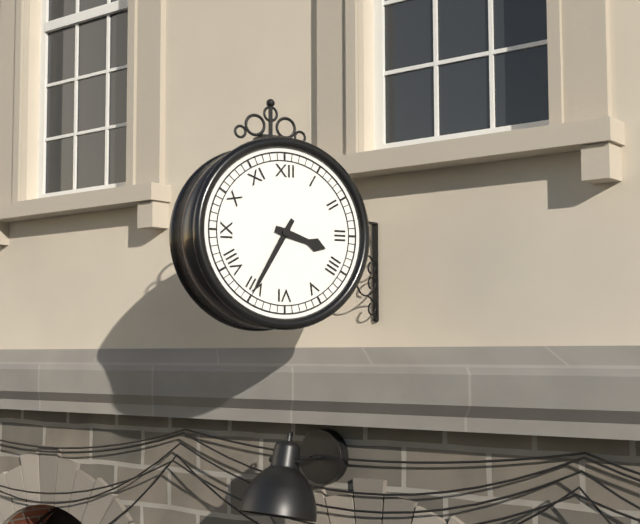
3:35
